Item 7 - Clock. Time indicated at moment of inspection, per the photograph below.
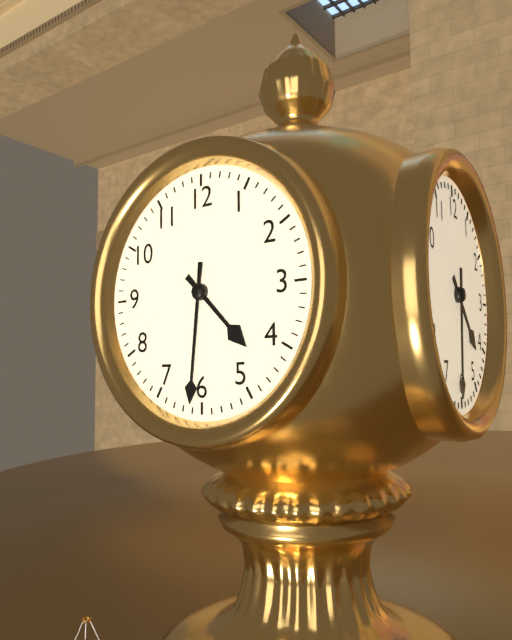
4:31
